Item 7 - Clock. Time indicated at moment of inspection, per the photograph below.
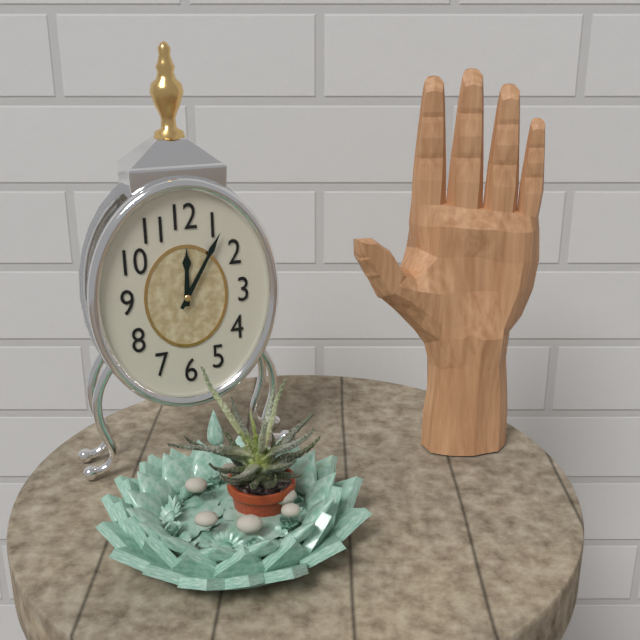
12:05
